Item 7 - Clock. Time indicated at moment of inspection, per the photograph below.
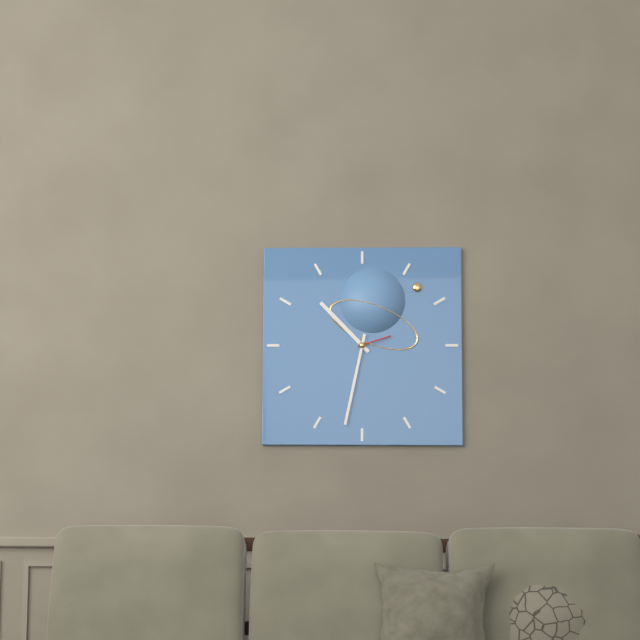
10:32
